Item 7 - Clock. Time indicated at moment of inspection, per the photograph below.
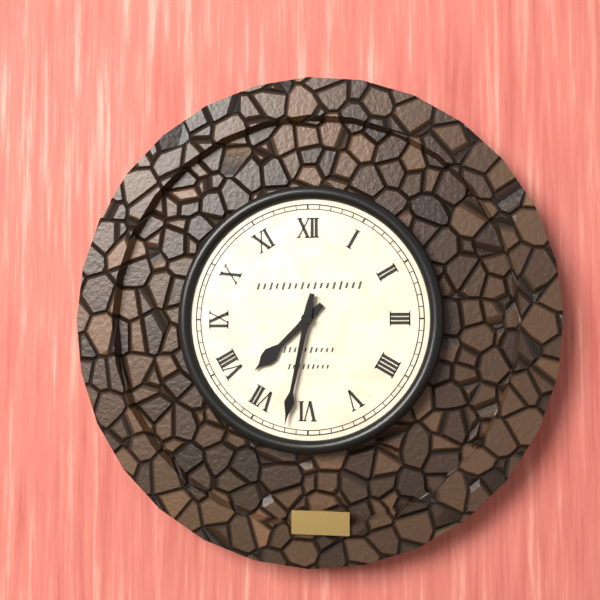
7:32
